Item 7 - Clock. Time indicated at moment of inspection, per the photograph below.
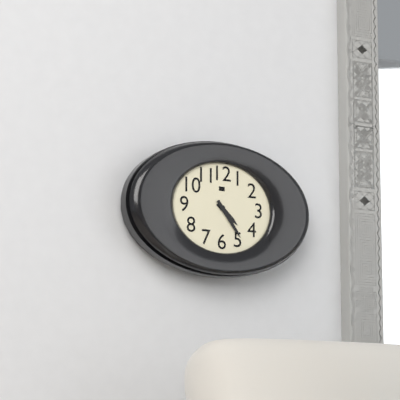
4:24
